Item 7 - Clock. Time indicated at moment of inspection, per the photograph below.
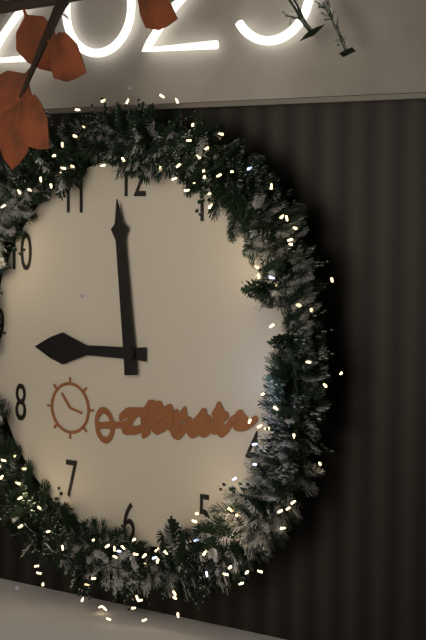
8:59
